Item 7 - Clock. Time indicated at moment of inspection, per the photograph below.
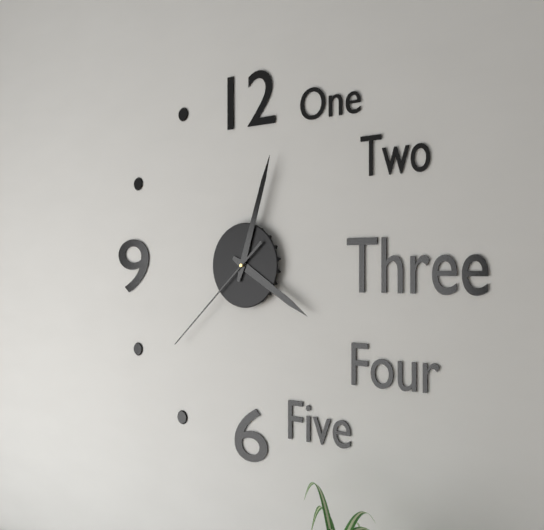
4:03:38
